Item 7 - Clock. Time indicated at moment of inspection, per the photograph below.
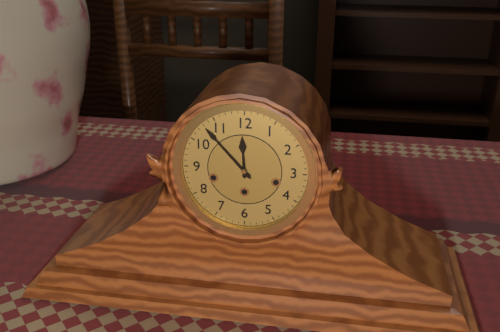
11:53
